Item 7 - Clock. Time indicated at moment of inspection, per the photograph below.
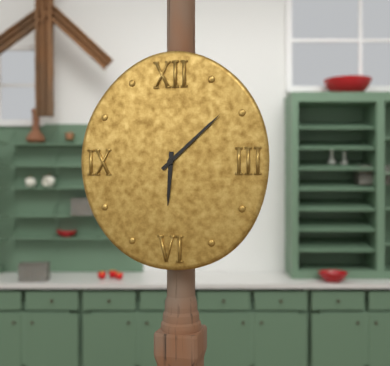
6:08
